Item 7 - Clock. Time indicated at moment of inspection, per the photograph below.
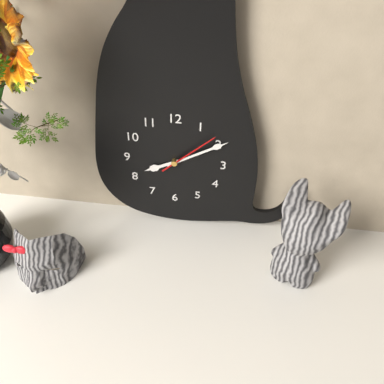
8:10:08
